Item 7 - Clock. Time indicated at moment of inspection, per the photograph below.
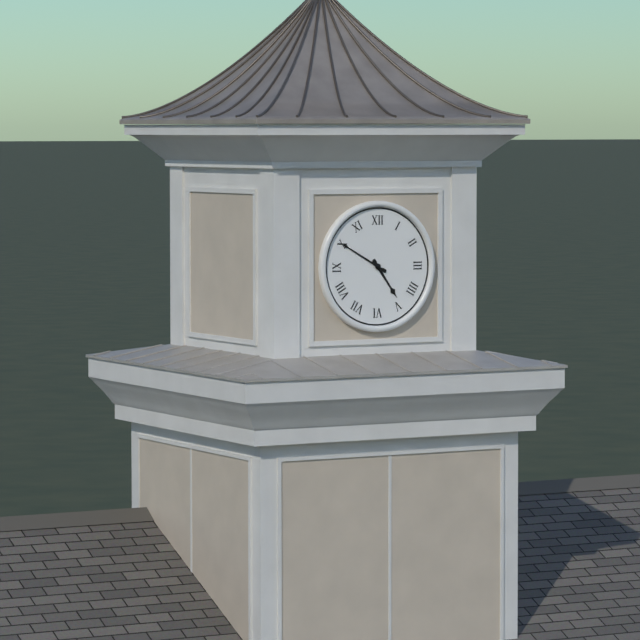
4:50
